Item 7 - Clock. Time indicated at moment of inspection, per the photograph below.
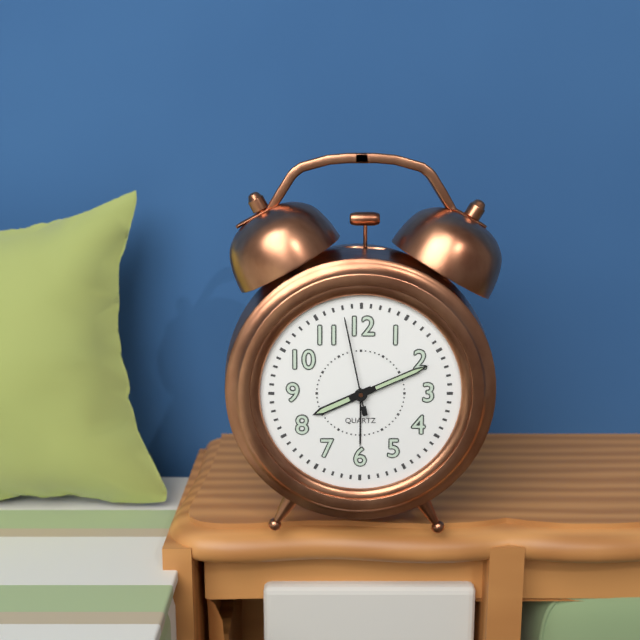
8:11:58
